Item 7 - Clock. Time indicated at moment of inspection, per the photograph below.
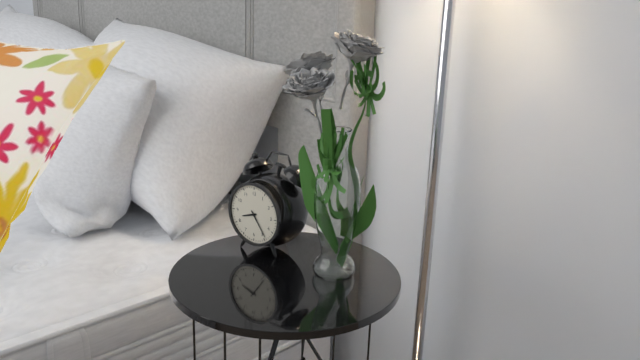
8:24
